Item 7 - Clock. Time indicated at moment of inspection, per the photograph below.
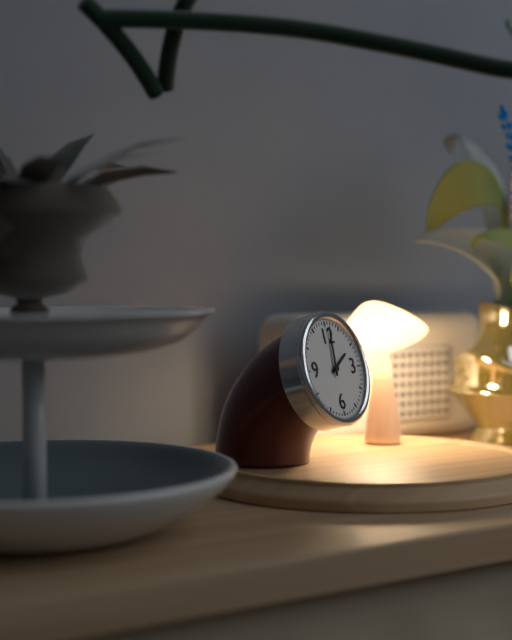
2:01
